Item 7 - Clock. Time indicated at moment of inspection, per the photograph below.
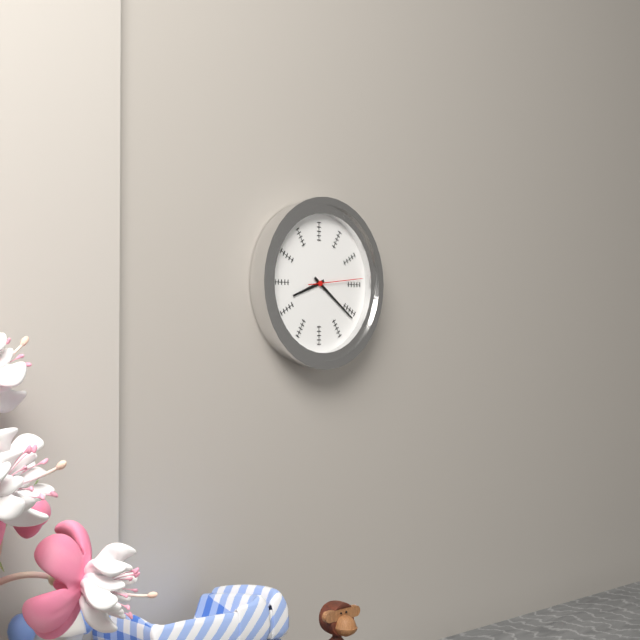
8:21:14
